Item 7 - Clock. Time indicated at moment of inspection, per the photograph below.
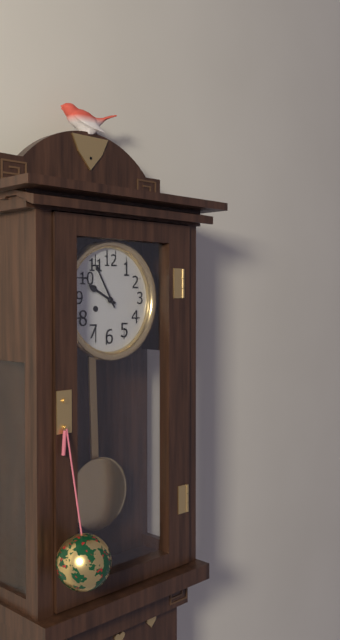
9:55
